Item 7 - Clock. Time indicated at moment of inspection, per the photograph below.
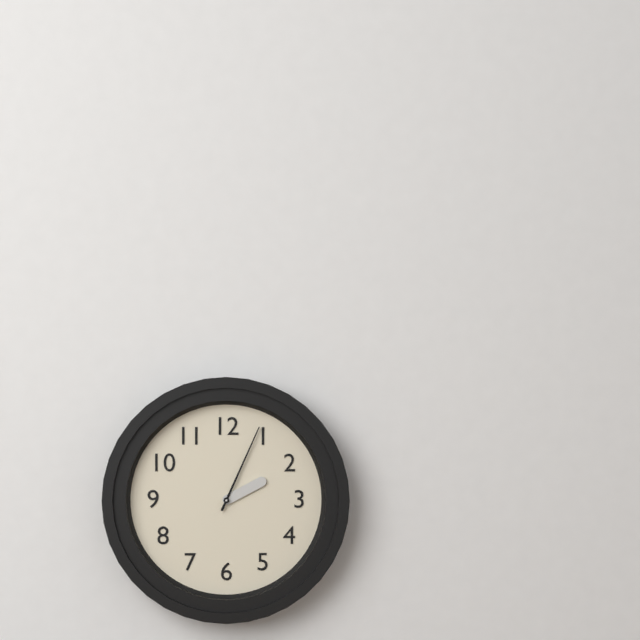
2:04
